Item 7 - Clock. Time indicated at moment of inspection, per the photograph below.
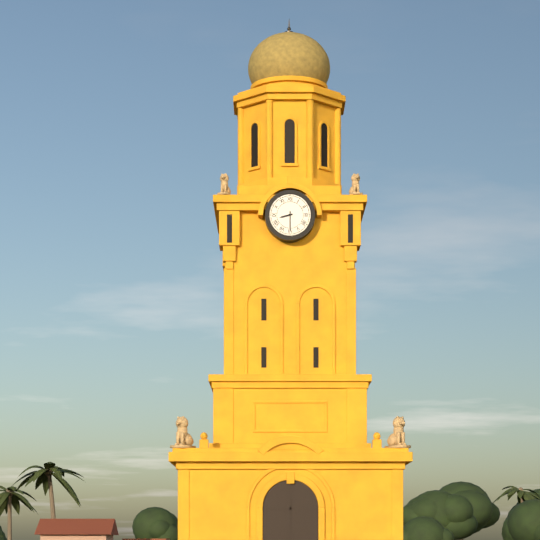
8:30
